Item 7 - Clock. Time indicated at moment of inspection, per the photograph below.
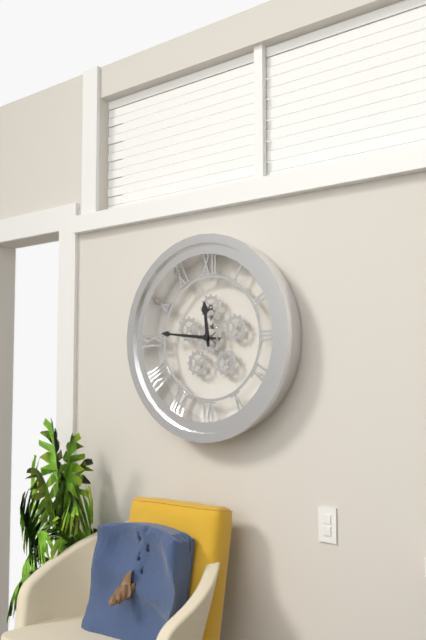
11:46
